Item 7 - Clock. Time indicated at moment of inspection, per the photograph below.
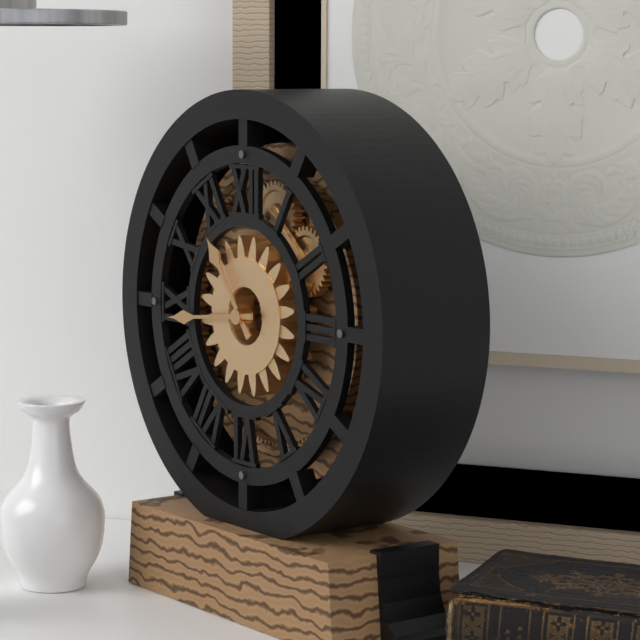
10:44
